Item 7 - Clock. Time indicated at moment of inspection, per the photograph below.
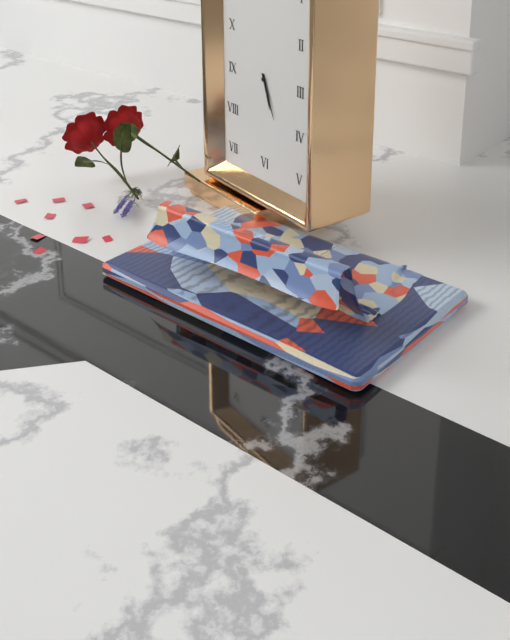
5:26
